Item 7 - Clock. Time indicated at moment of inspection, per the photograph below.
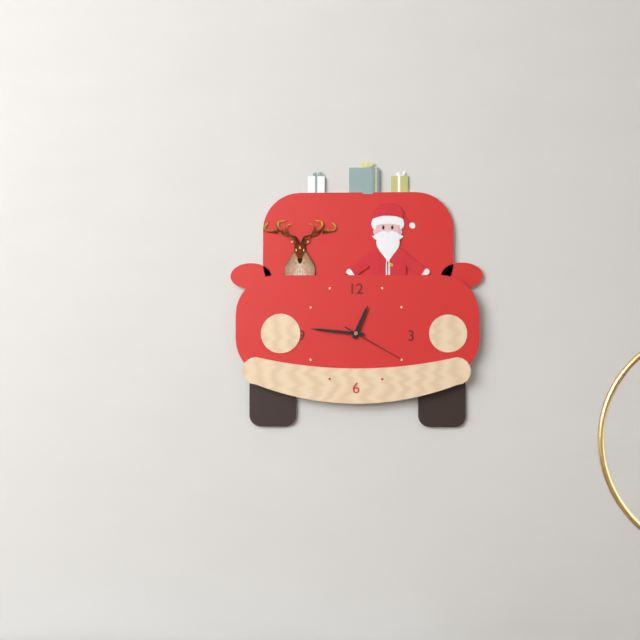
12:46:20
